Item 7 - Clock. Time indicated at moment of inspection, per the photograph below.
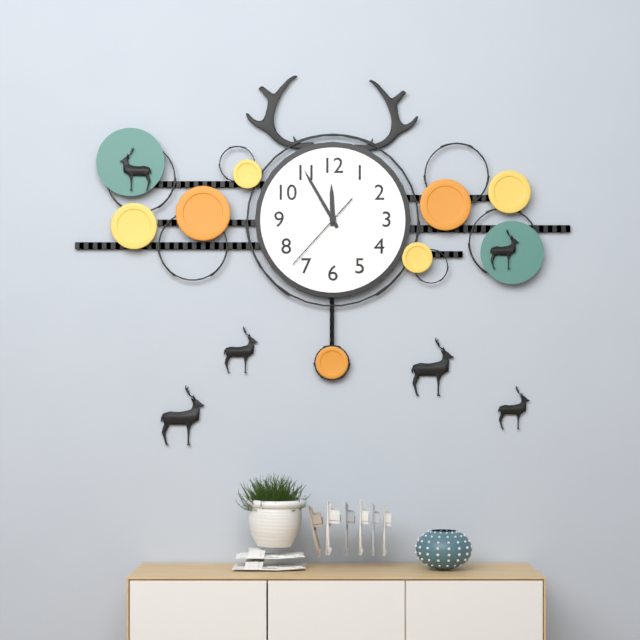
11:55:37
